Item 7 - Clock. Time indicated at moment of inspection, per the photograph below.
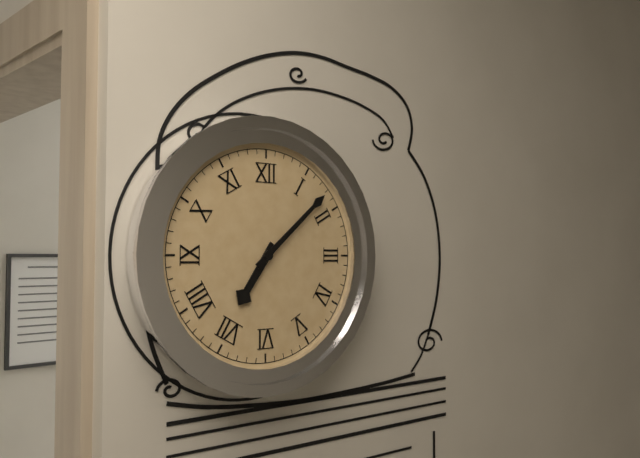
7:08
